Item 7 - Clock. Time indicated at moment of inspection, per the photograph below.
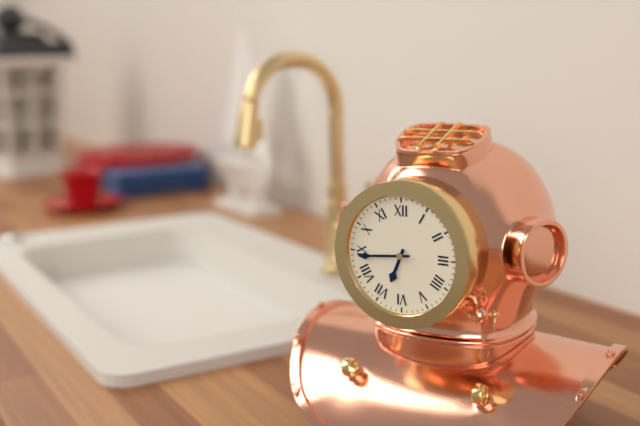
6:44
